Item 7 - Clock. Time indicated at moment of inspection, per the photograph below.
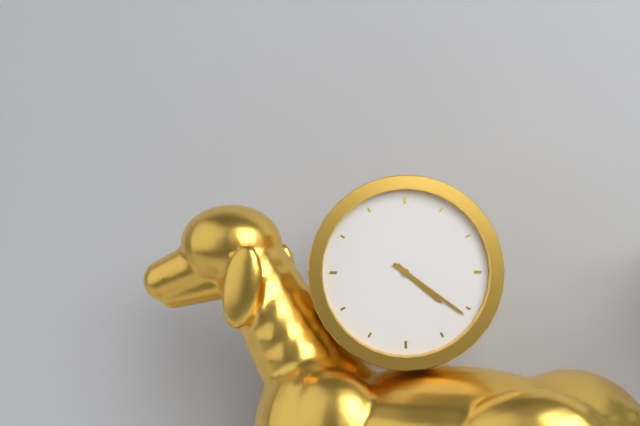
4:21
